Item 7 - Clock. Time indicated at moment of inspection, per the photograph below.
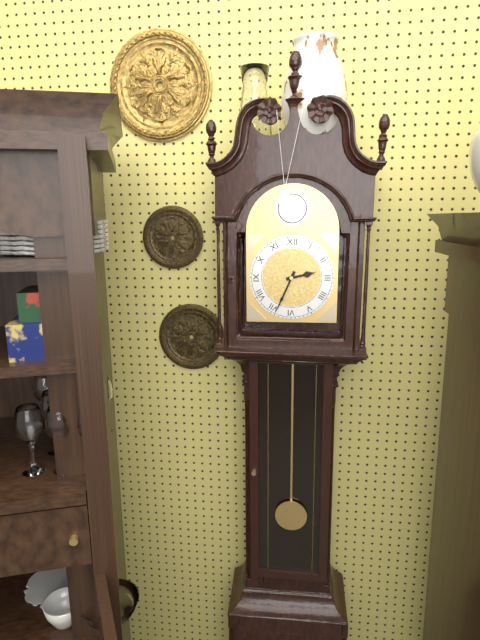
2:34
